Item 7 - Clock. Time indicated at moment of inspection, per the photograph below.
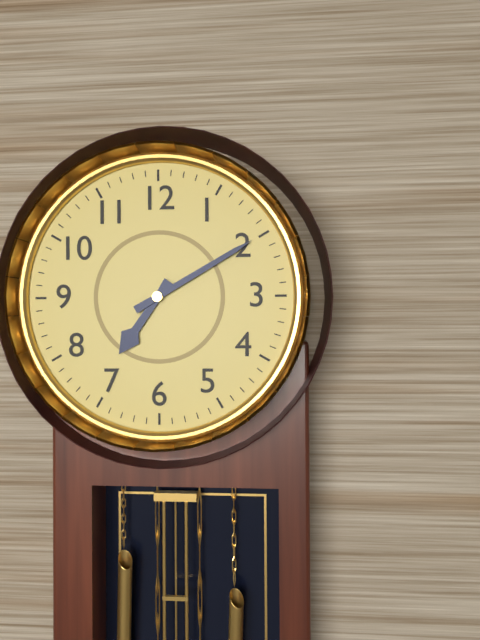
7:10
